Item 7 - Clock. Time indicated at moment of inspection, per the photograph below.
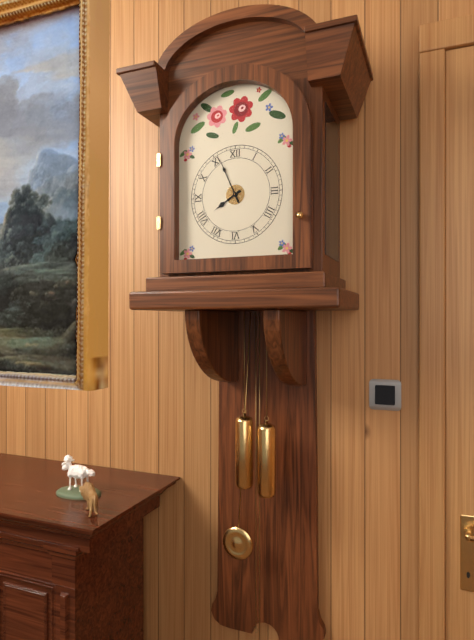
7:56
